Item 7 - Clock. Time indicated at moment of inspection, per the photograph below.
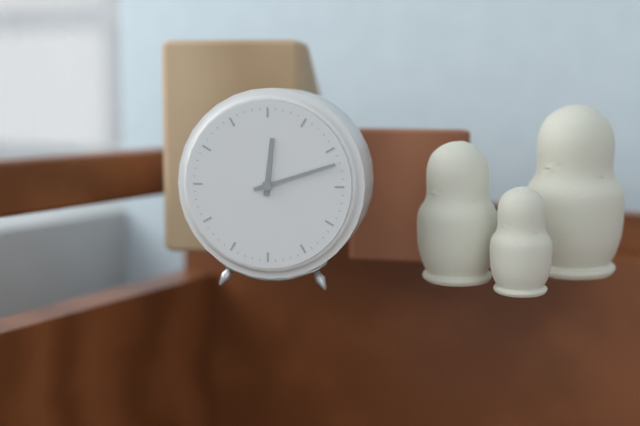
12:12
